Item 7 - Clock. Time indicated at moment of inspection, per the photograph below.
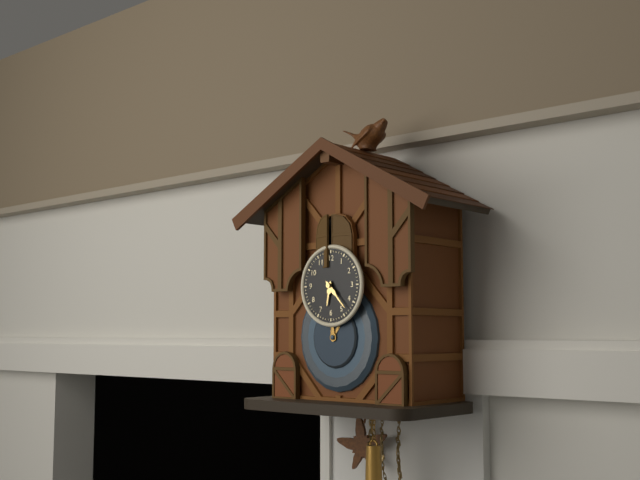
6:23
